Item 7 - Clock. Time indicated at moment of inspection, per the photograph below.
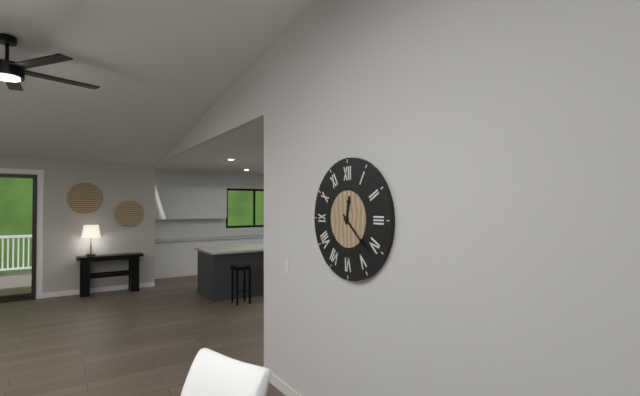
12:22
